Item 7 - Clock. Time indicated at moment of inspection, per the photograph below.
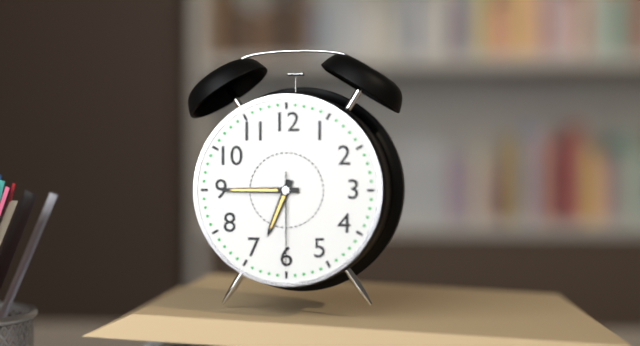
6:45:30
